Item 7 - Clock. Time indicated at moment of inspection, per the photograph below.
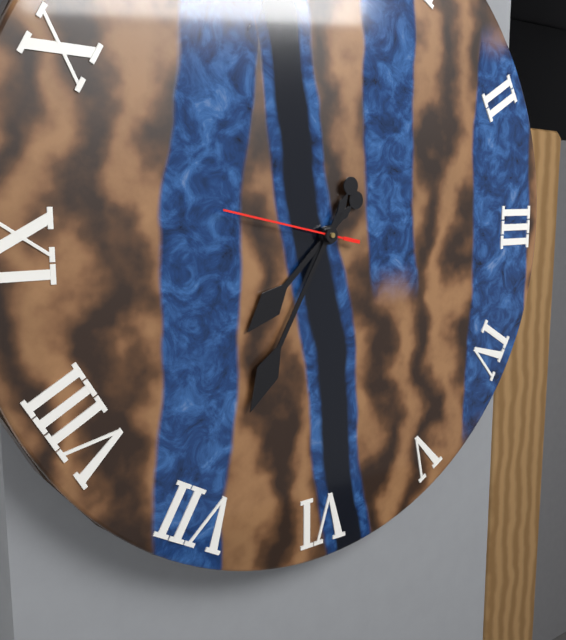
7:35:47
